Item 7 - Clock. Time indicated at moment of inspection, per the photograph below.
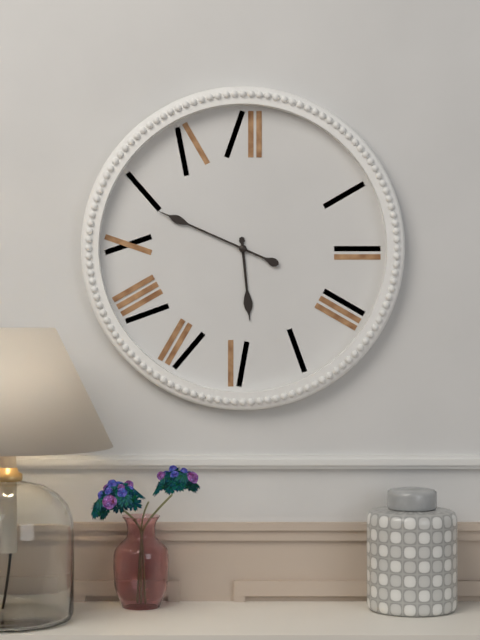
5:49
